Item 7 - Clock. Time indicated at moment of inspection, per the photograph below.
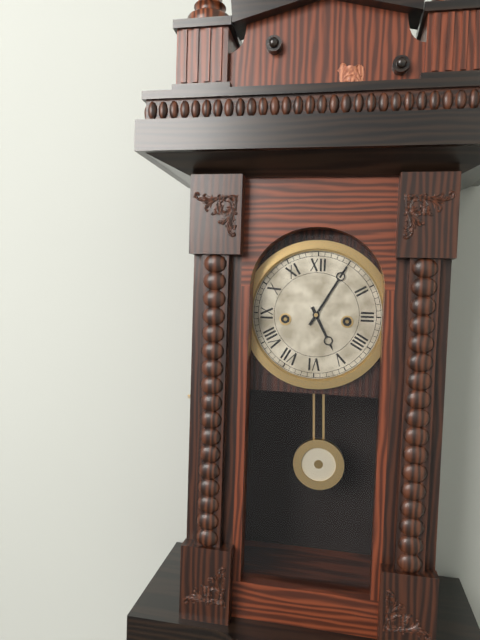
5:05
